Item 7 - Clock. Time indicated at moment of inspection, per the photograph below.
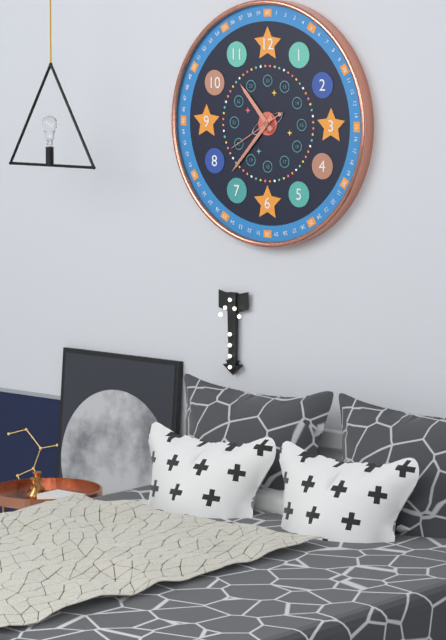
10:37:40
